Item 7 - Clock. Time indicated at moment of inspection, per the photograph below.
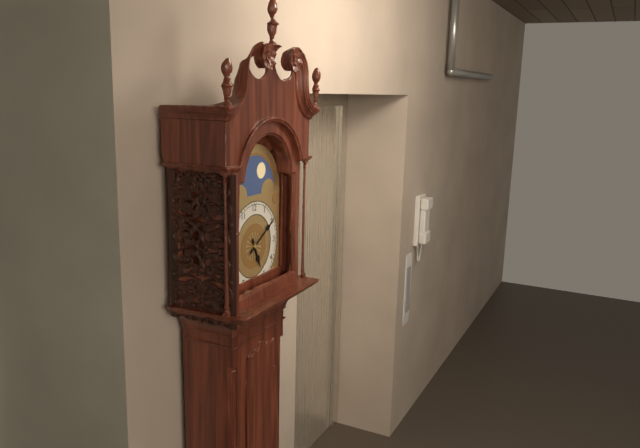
5:10
